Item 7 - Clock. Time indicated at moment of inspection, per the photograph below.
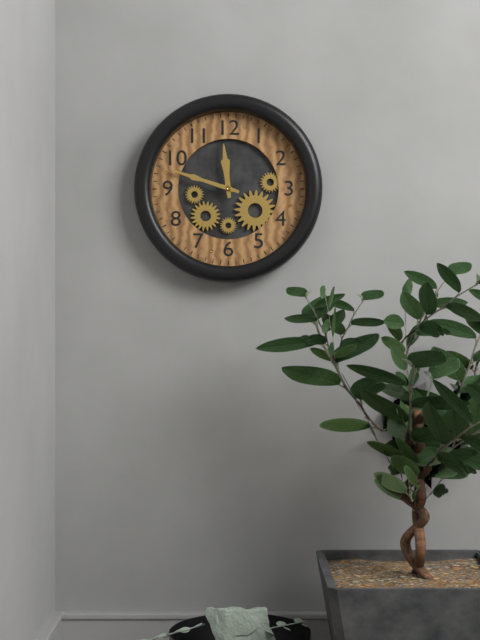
11:48
